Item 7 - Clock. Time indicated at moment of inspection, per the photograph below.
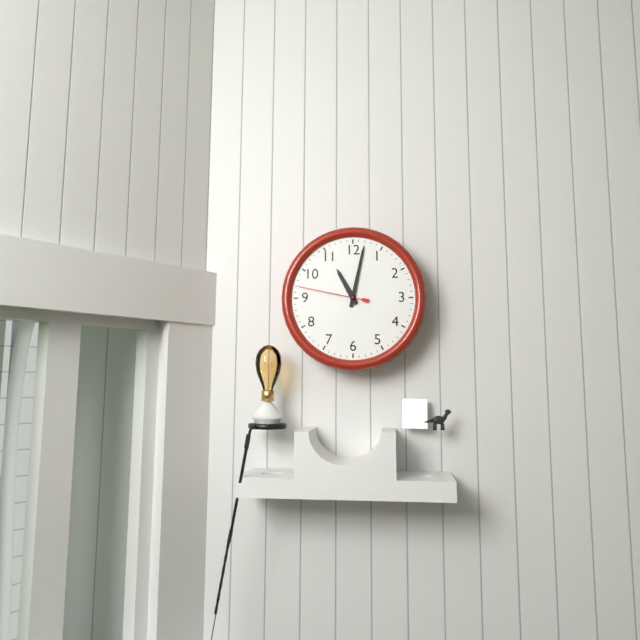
11:02:47
